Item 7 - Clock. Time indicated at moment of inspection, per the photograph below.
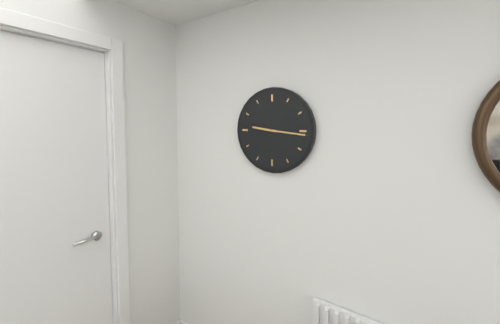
9:16
